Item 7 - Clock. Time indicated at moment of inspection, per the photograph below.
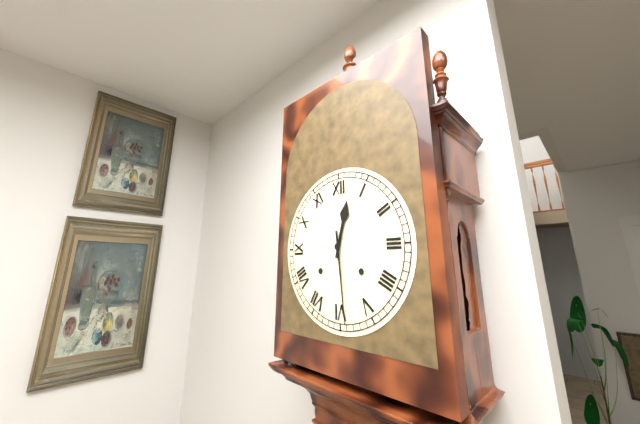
12:29
